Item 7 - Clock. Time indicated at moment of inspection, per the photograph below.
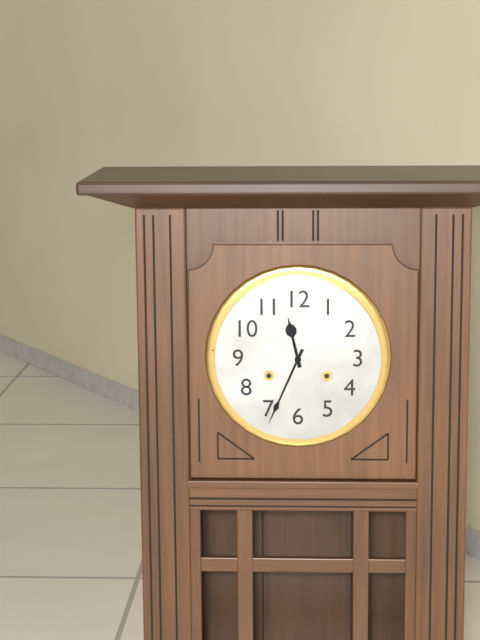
11:34
